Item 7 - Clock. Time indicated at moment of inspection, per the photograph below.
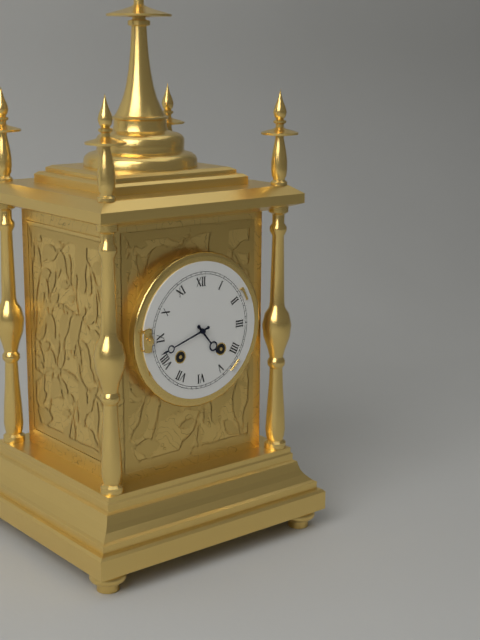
4:42
